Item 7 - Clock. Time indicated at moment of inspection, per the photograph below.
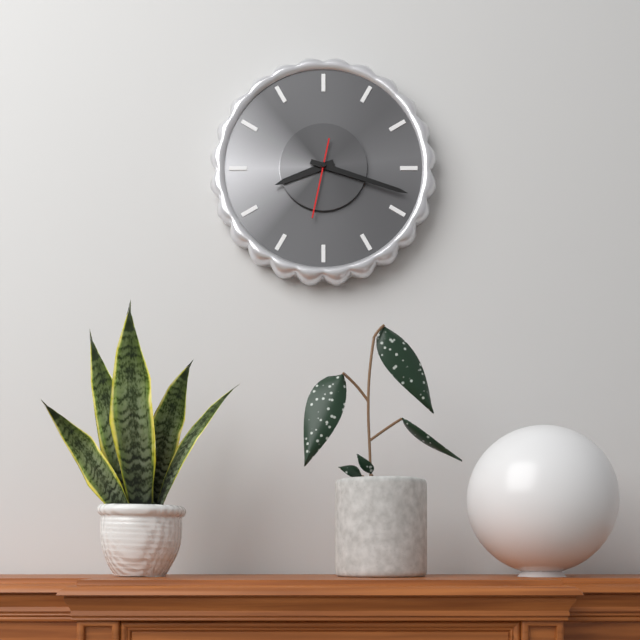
8:18:32
